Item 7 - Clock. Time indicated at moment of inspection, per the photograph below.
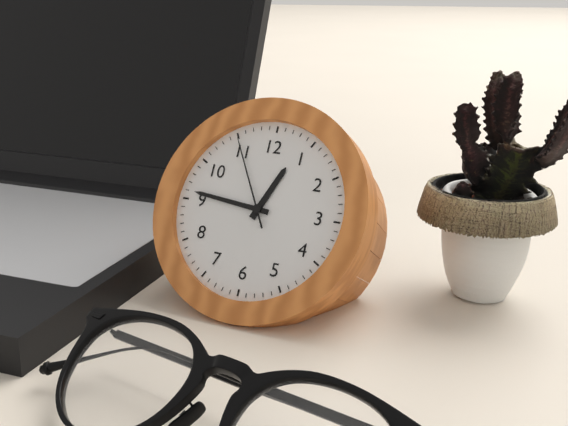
12:46:55
